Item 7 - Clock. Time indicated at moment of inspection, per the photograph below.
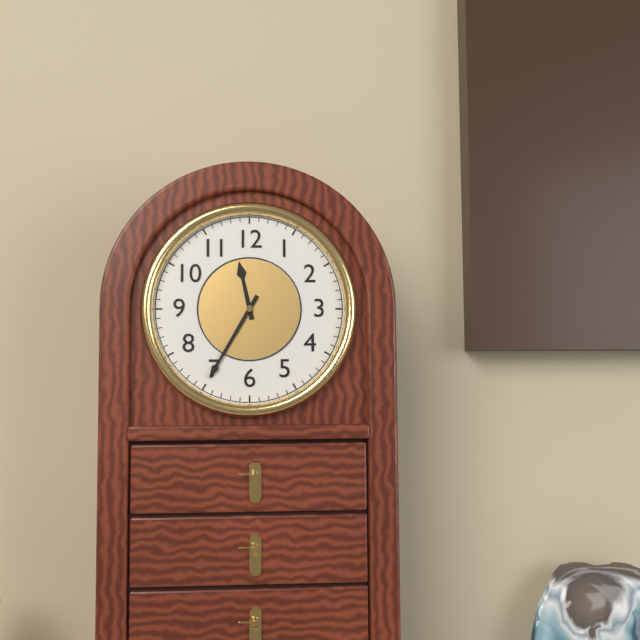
11:35
